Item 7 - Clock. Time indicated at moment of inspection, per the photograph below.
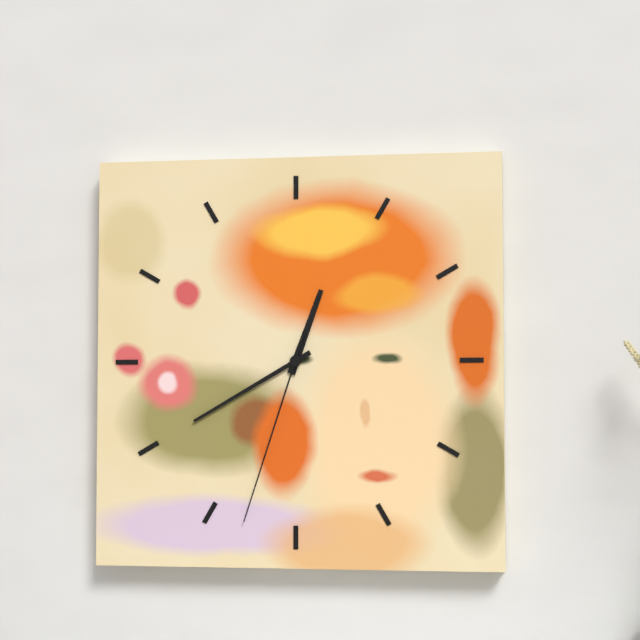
12:40:33
